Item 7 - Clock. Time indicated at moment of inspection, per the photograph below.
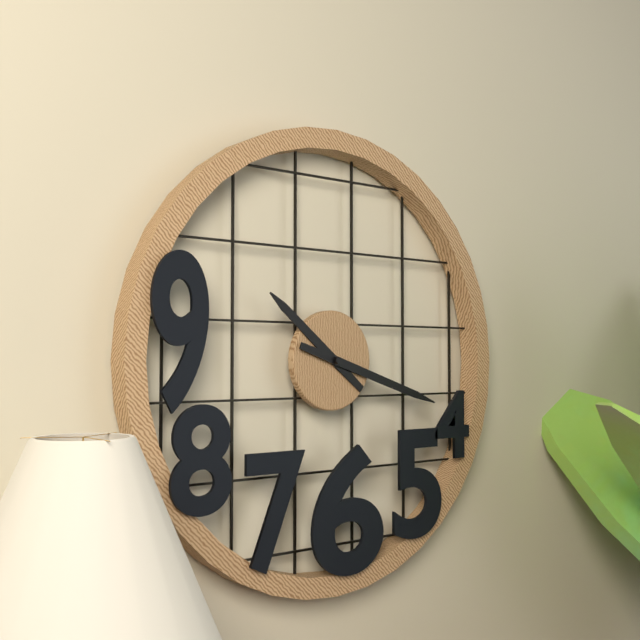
10:18
